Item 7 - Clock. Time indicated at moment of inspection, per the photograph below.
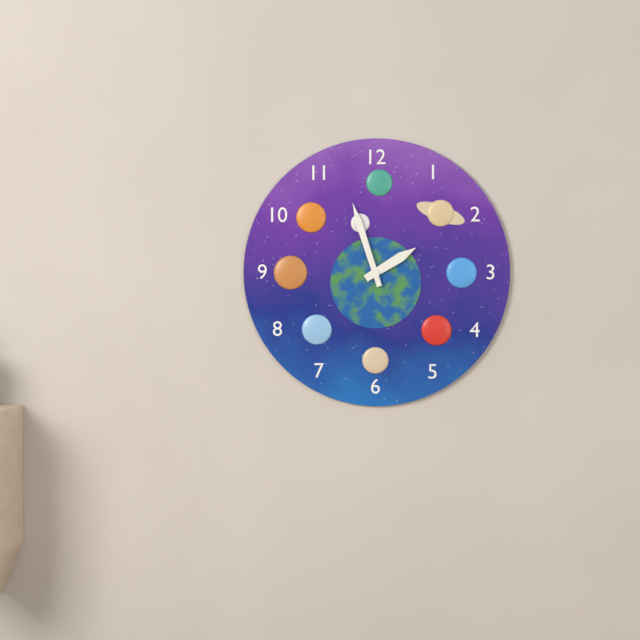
1:57
